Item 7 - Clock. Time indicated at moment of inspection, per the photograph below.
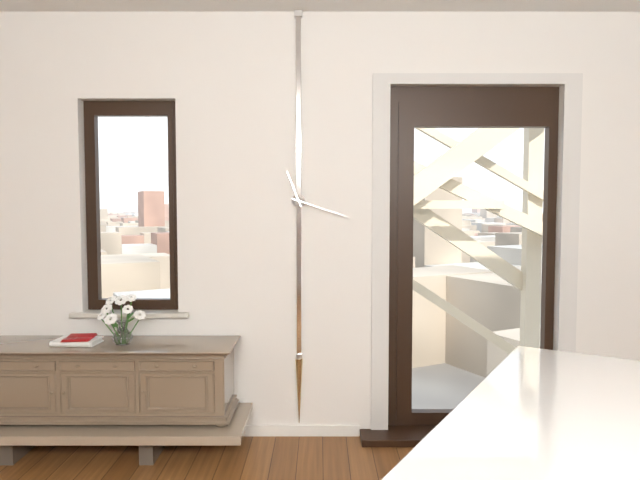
11:18
